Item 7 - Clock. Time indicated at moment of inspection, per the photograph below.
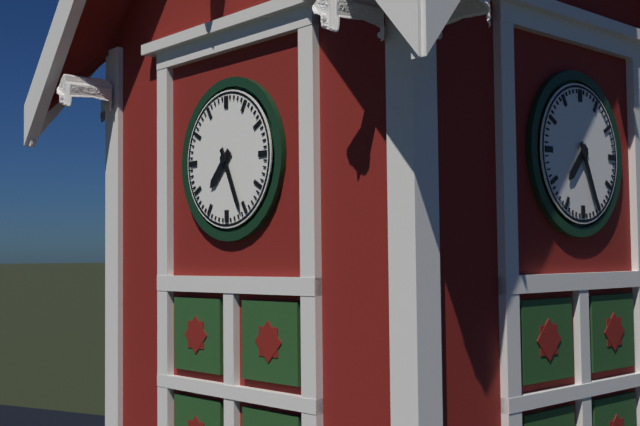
7:26
